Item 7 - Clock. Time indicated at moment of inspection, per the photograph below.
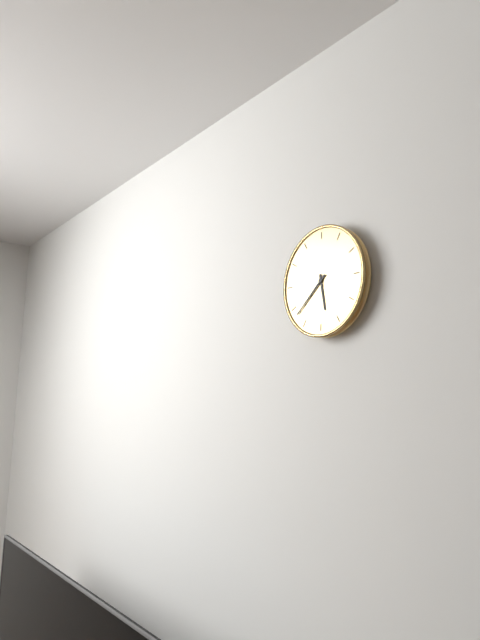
5:38
